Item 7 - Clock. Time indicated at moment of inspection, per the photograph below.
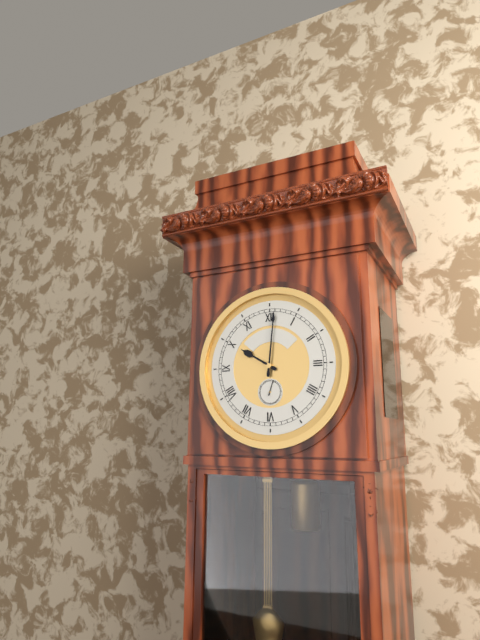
10:01
